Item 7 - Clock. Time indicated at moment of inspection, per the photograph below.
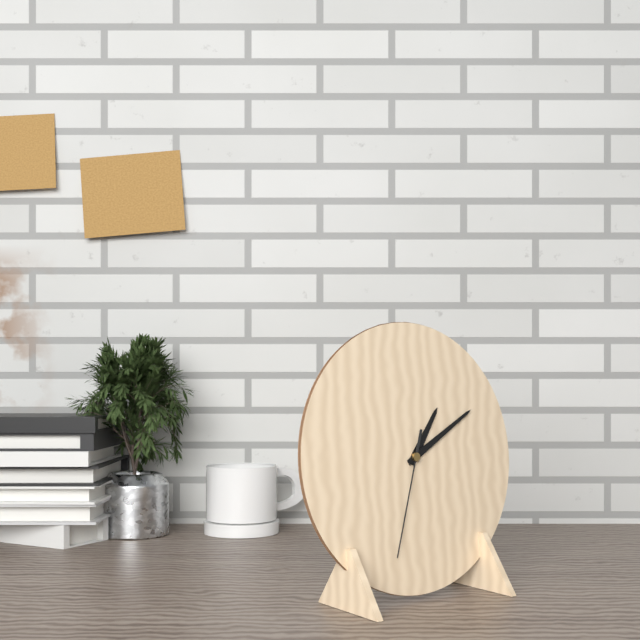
1:10:33
